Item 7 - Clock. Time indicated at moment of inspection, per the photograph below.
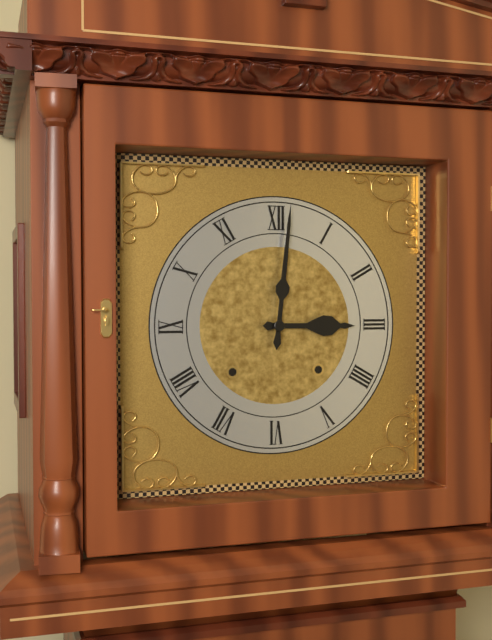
3:01
